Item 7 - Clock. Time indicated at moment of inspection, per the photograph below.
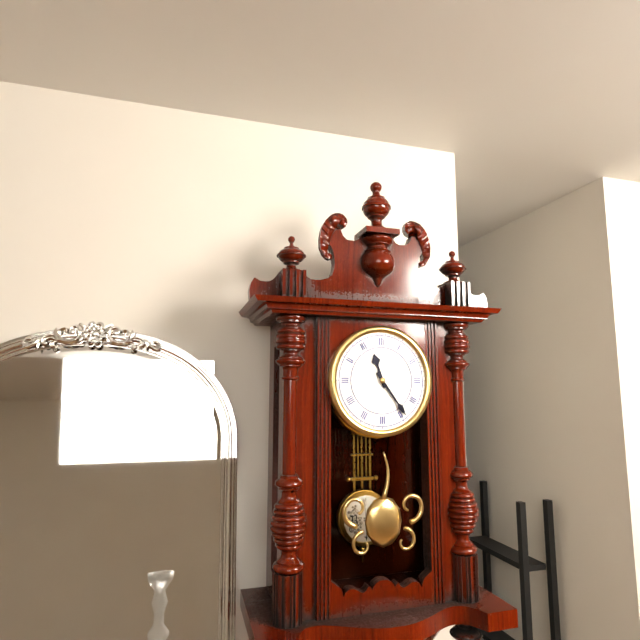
11:24
